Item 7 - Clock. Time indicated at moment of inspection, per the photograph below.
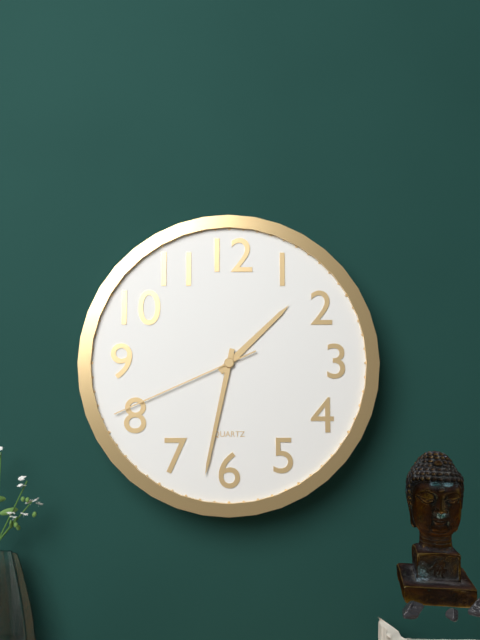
1:32:41
